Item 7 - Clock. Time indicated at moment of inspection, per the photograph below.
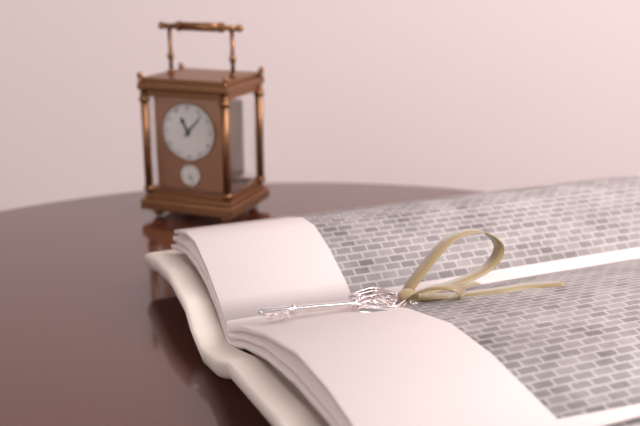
11:07
